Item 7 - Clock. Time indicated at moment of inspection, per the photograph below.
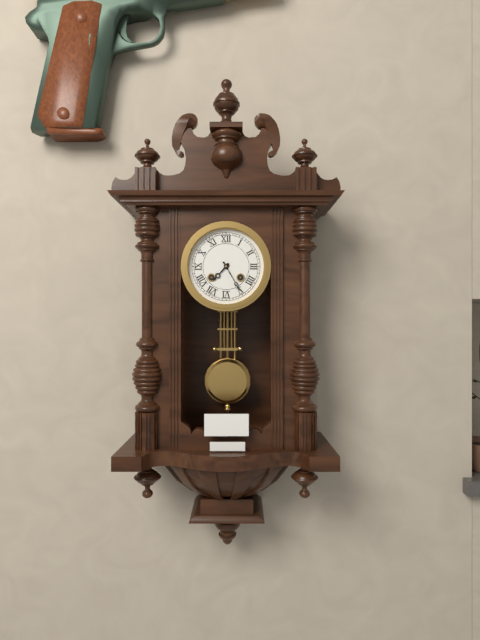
7:25
